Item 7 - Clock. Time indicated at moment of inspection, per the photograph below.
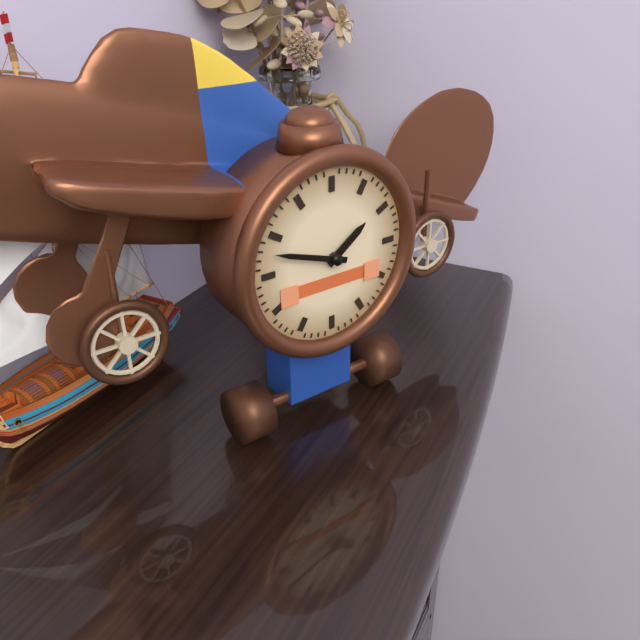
1:48
